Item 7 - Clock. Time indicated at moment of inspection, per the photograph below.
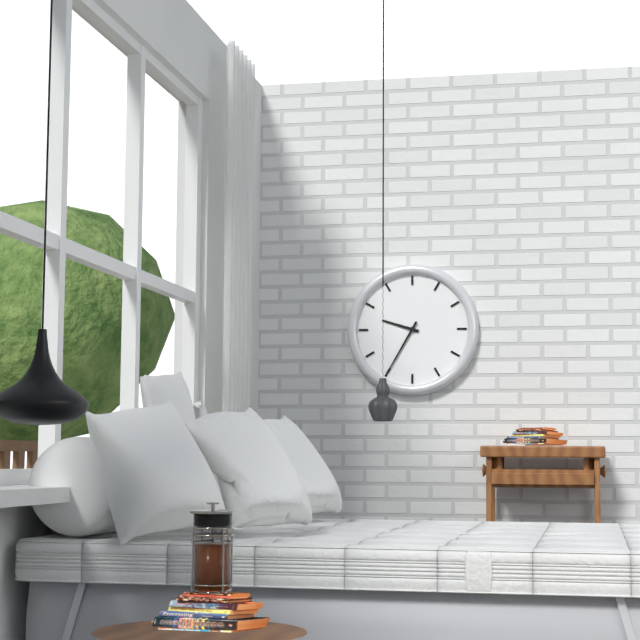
9:35
